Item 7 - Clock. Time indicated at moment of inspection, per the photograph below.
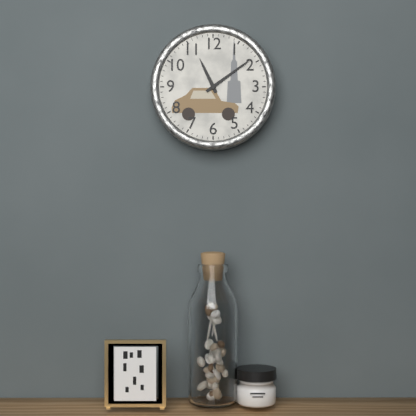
11:09
